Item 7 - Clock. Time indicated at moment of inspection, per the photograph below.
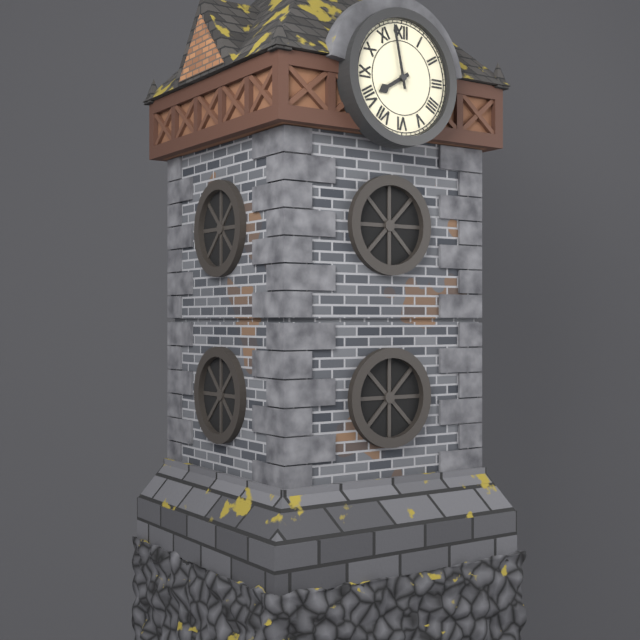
7:58
